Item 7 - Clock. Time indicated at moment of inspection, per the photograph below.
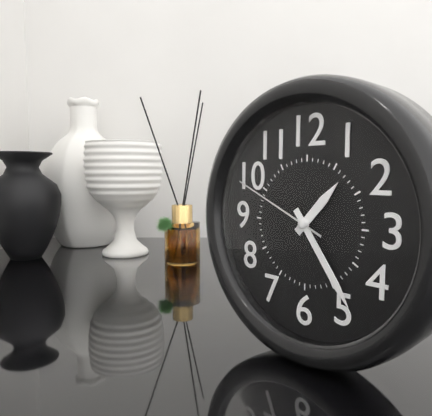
1:24:49
